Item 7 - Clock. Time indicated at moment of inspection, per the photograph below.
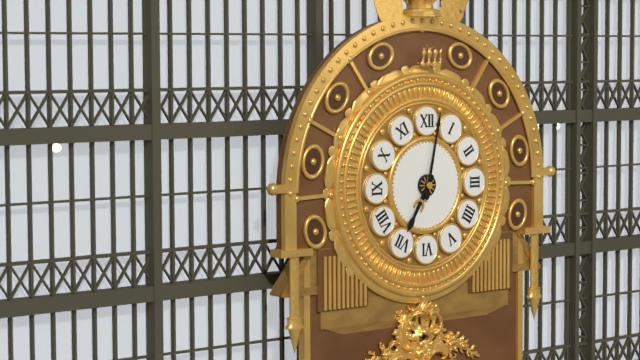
7:02
